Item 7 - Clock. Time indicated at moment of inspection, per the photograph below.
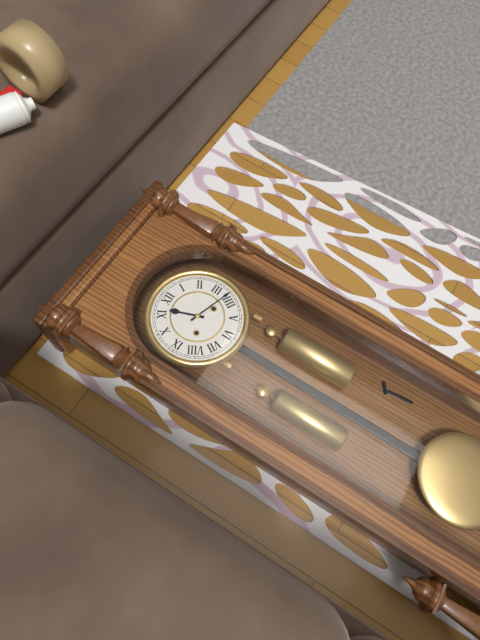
11:18
